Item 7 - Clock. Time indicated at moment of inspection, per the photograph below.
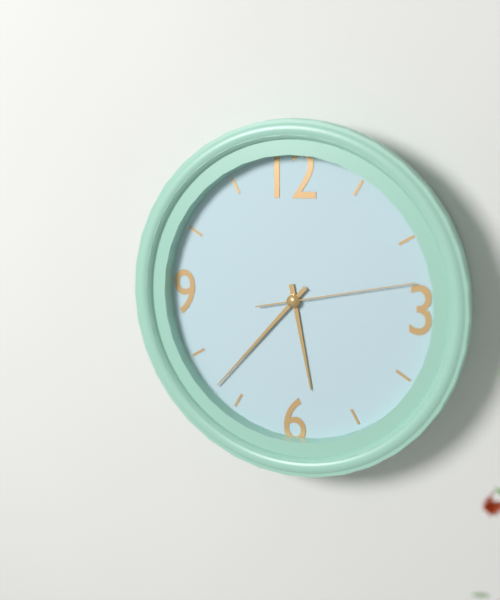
5:37:13
